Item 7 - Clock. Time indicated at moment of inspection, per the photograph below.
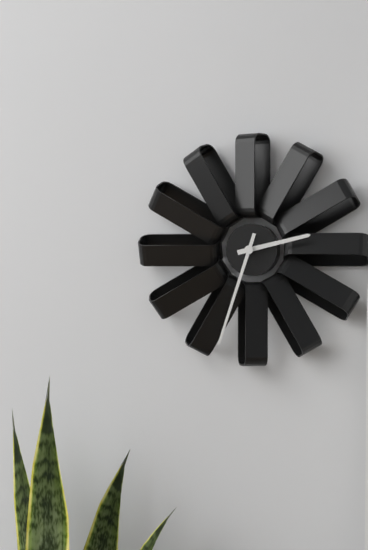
2:33
